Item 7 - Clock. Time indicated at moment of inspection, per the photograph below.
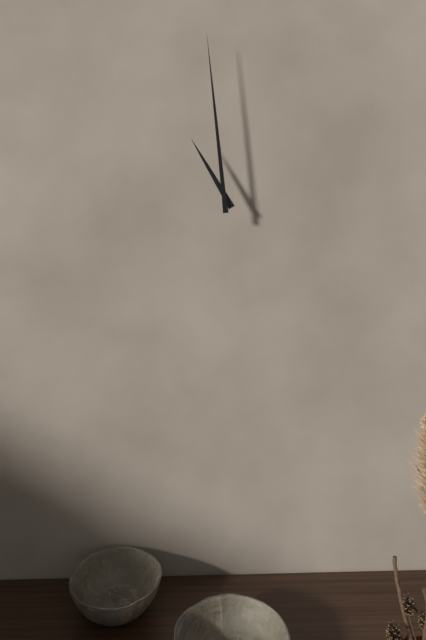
10:59
